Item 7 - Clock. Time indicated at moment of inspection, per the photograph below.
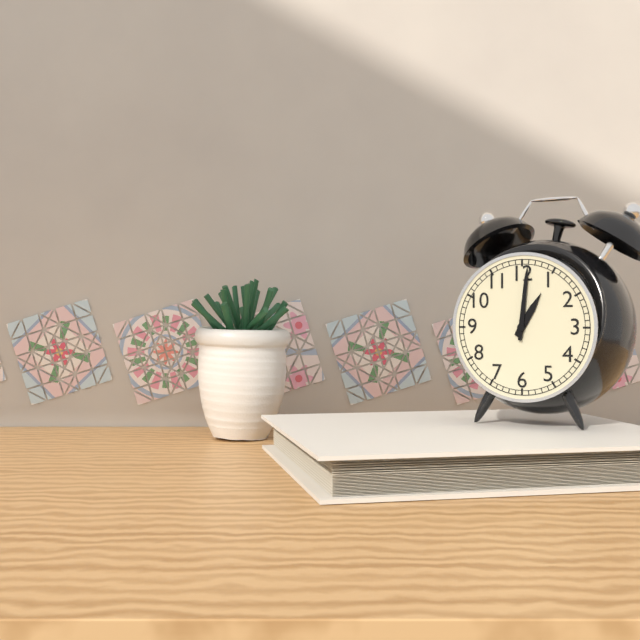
1:01
